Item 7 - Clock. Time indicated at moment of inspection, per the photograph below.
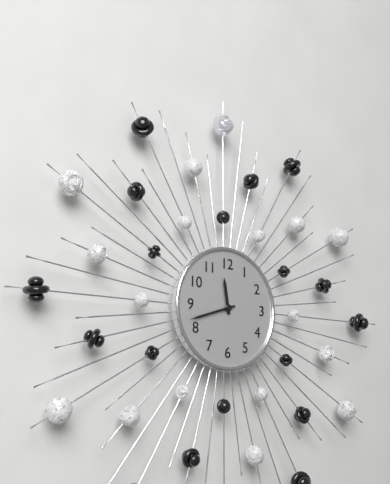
11:42
